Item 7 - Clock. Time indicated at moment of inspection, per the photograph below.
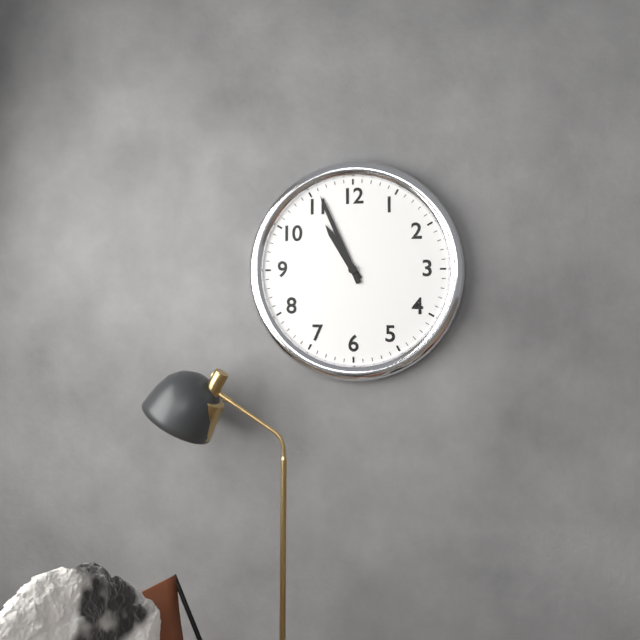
10:56
